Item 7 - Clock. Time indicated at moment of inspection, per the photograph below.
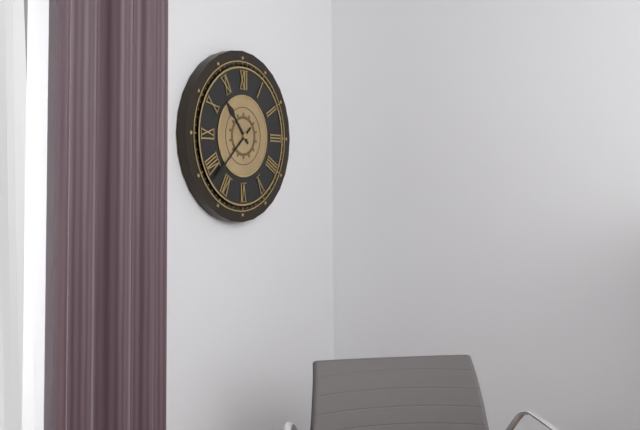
10:38
